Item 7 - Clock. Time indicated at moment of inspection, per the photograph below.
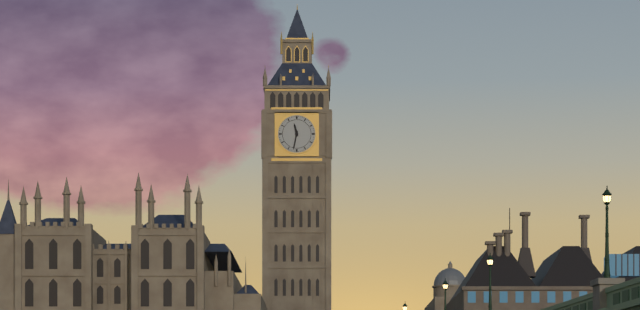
11:32
